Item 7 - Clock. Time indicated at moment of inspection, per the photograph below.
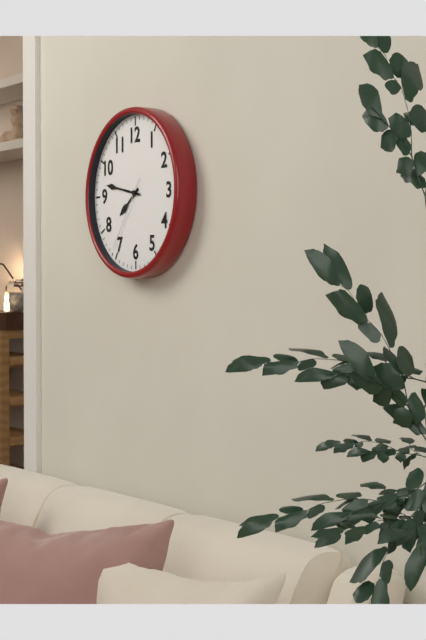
7:47:36
